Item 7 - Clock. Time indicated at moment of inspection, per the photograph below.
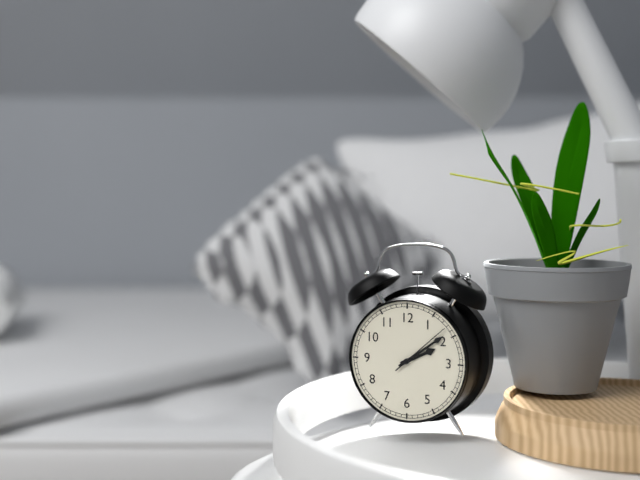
2:09:08
